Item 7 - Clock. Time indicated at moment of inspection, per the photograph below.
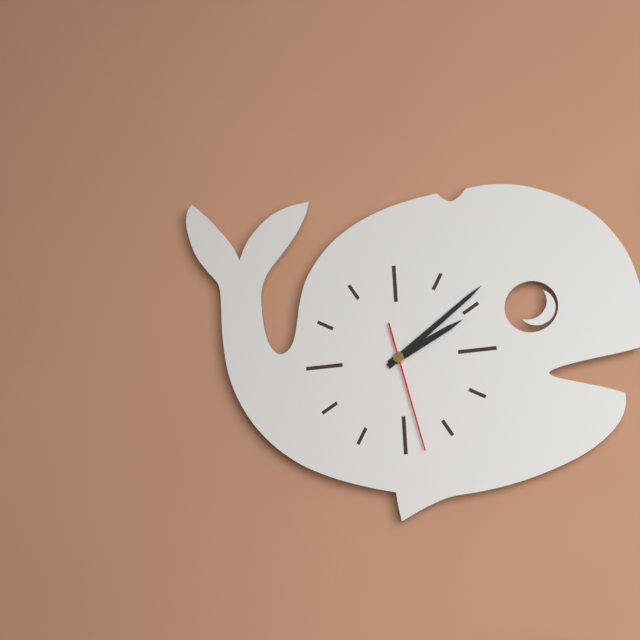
2:09:28
